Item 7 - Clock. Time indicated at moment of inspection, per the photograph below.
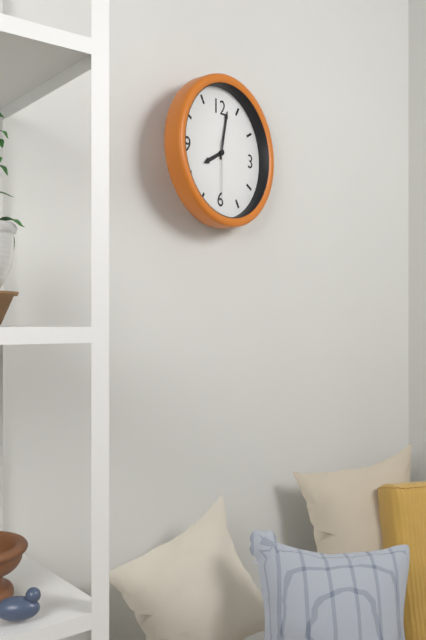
8:02:30
